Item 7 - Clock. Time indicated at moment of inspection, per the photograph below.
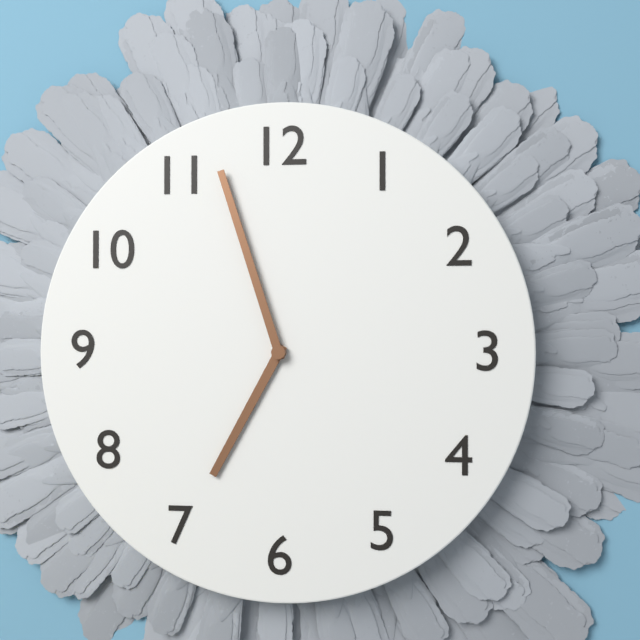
6:57
